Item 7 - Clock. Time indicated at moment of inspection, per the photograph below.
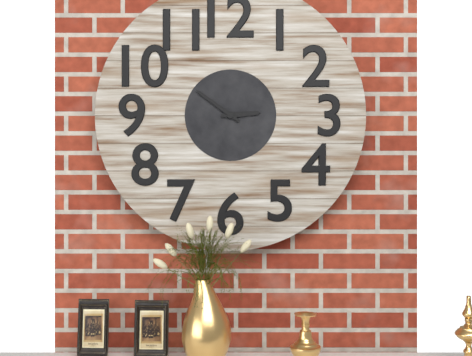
2:51
